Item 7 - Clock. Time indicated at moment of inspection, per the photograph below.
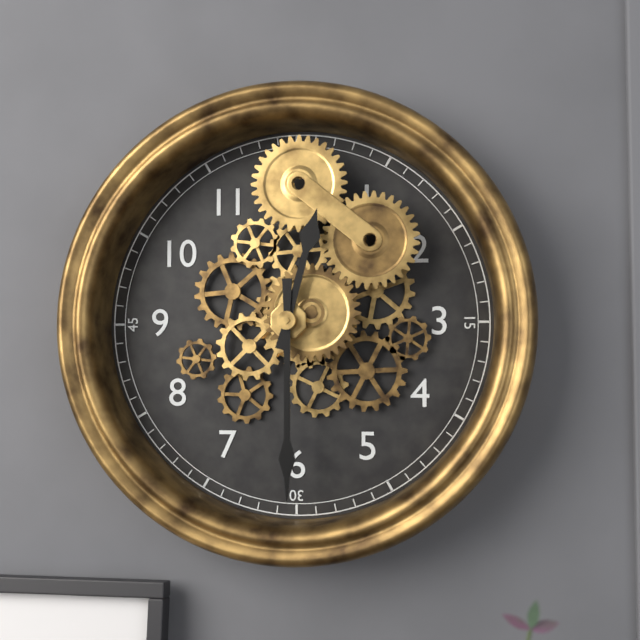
12:30
